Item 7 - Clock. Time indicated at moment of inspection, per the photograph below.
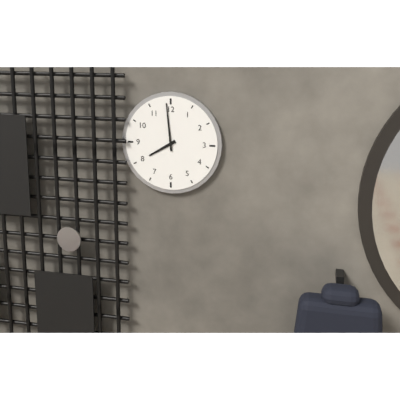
7:59
